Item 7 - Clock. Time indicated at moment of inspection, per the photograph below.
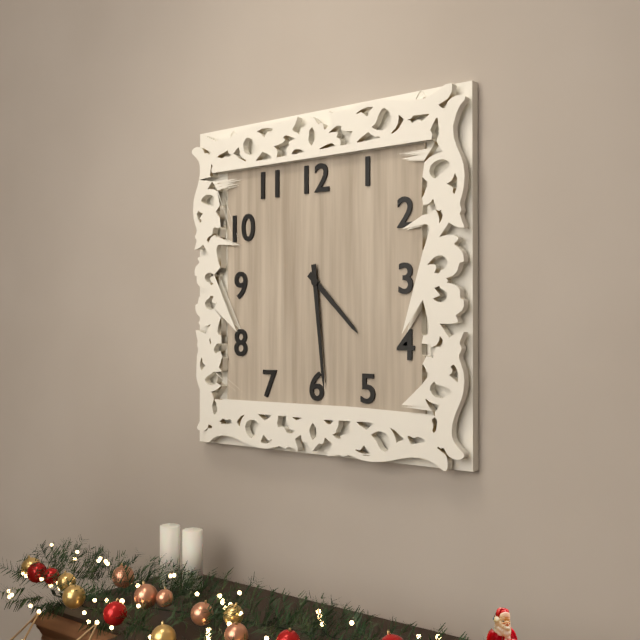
4:29
